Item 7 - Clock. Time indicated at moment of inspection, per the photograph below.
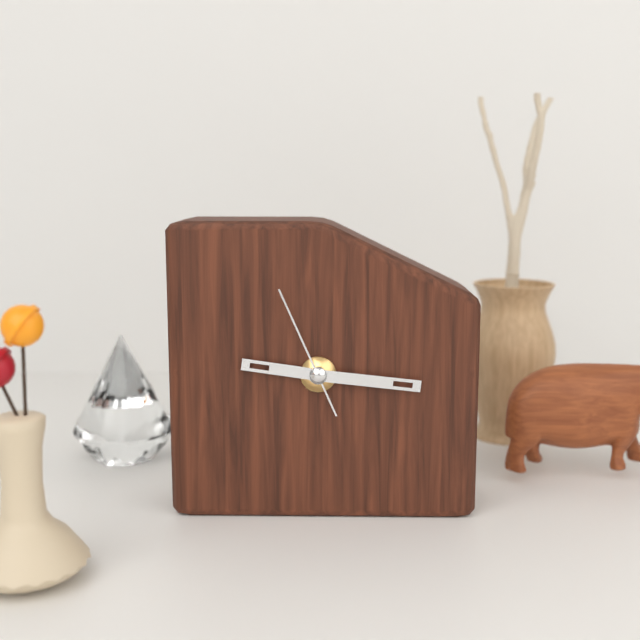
9:16:56
